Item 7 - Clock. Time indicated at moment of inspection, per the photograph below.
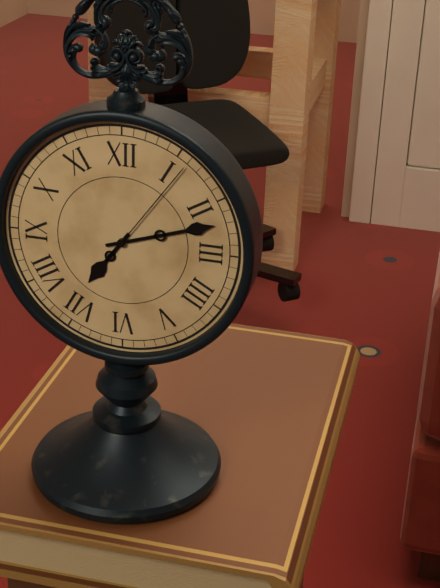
7:12:06
